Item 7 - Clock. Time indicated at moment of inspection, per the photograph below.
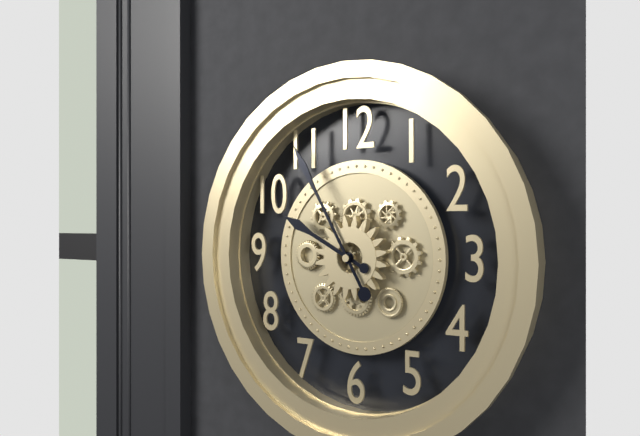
9:55
